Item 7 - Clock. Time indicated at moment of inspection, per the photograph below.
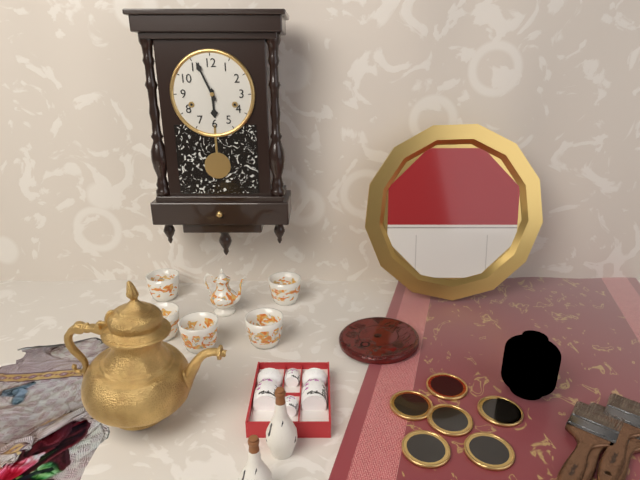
5:56
